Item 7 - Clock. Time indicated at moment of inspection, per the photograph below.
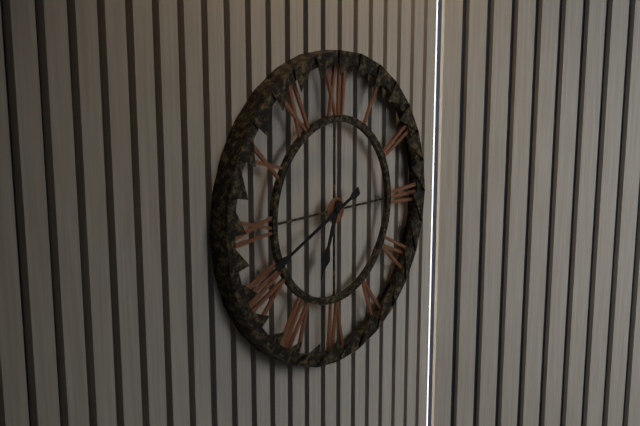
6:41
